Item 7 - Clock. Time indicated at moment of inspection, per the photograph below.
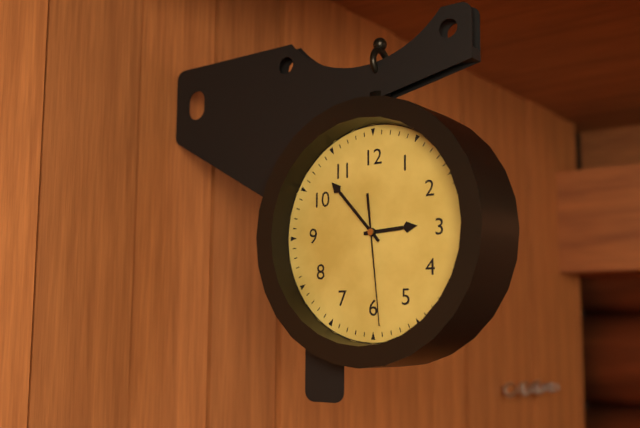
2:53:29
